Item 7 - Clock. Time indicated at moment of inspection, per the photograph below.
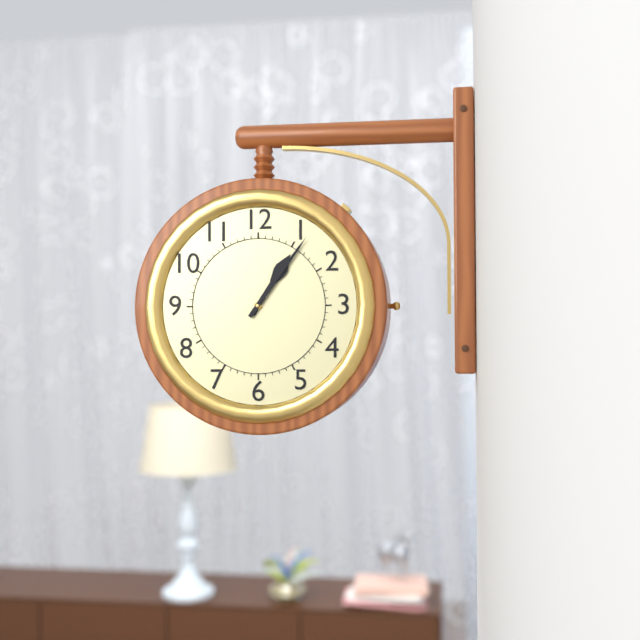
1:06
